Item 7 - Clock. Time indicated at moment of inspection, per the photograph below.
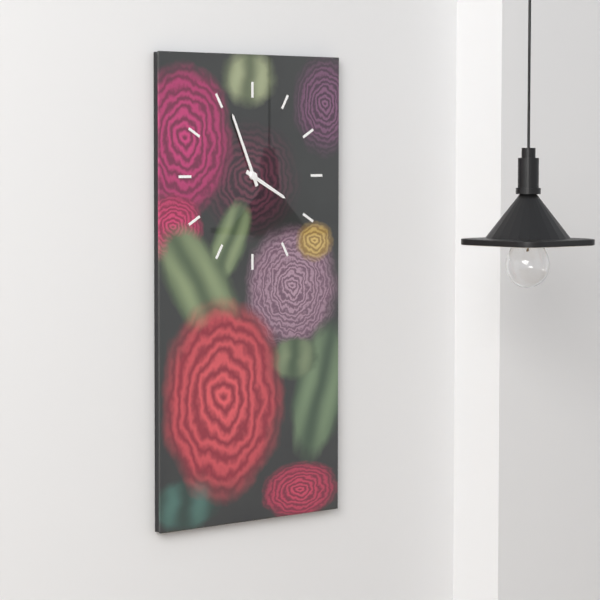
3:56
